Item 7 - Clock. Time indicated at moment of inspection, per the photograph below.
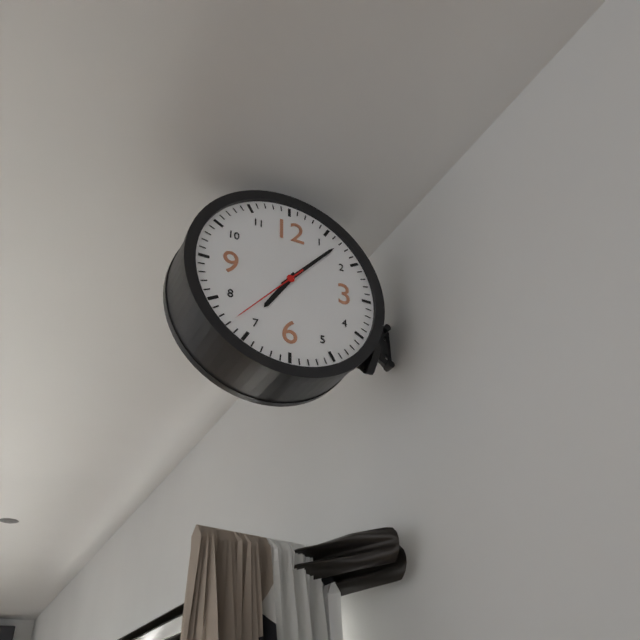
7:07:37
